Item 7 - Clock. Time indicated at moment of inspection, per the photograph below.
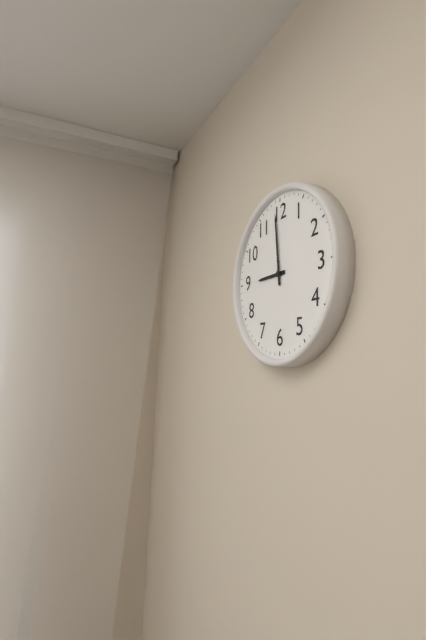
8:59
